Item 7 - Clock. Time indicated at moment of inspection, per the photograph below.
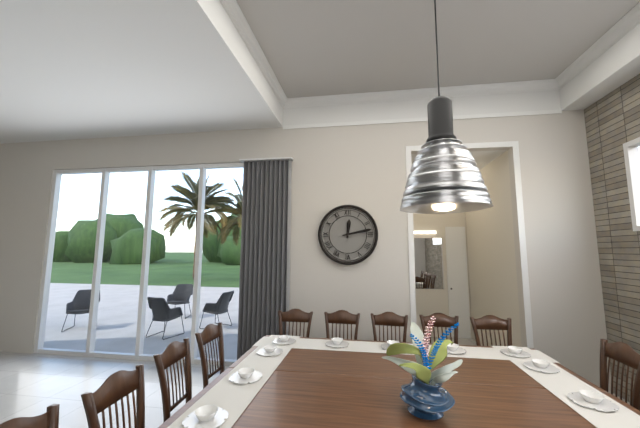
12:13
